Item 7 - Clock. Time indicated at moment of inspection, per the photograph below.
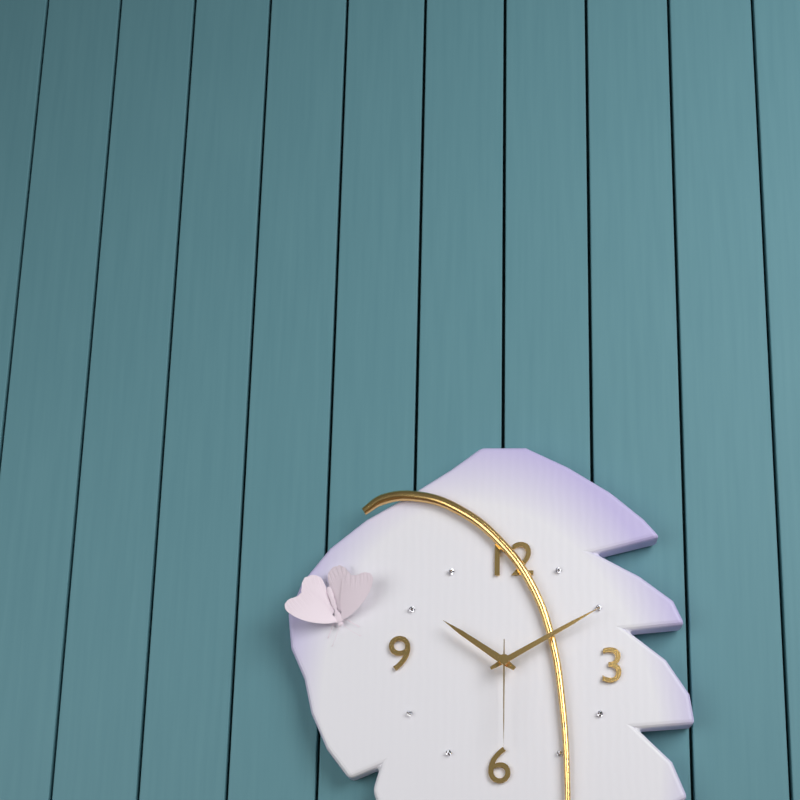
10:10:30
